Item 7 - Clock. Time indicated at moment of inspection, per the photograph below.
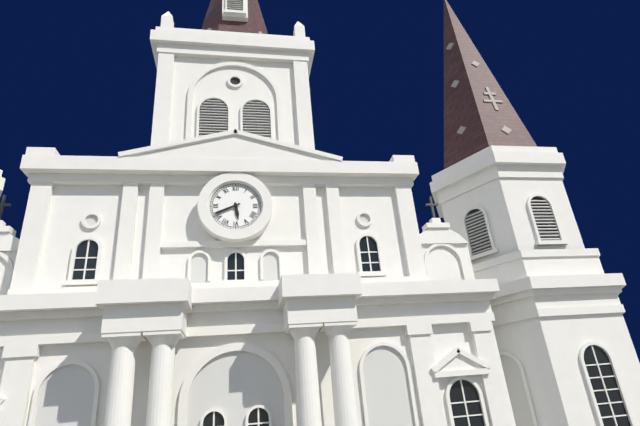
5:41
